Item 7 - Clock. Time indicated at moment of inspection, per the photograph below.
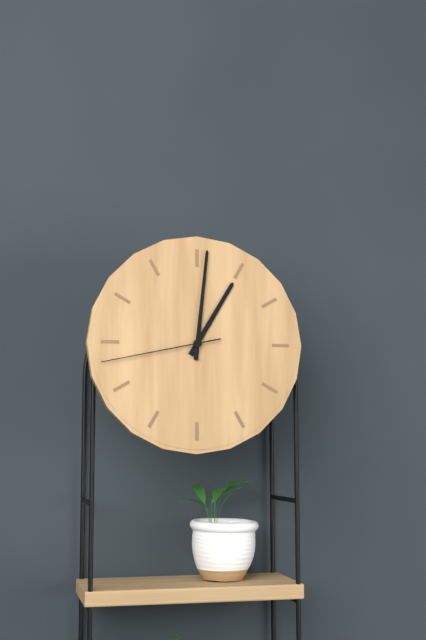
1:01:43
